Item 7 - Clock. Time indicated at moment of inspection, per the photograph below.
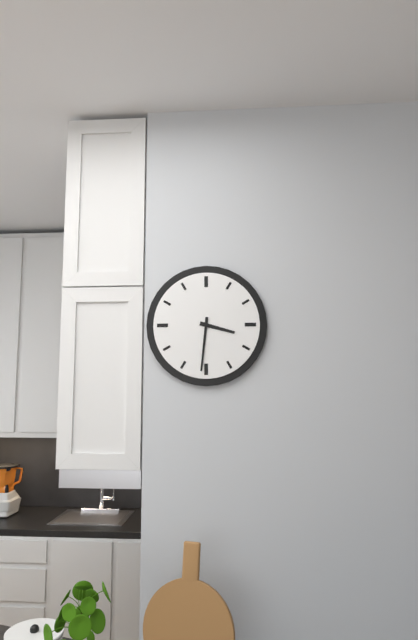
3:31
